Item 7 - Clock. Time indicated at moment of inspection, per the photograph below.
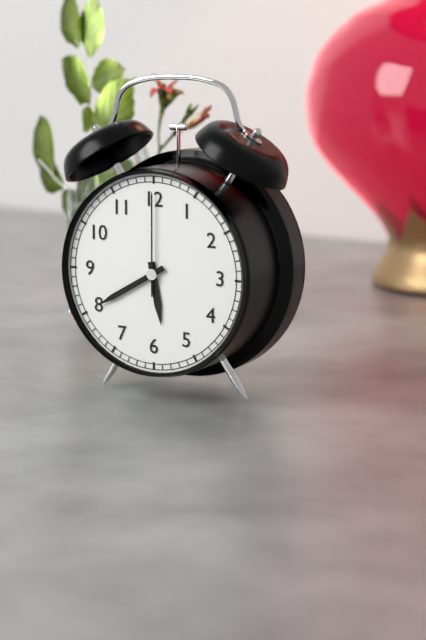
5:40:00
